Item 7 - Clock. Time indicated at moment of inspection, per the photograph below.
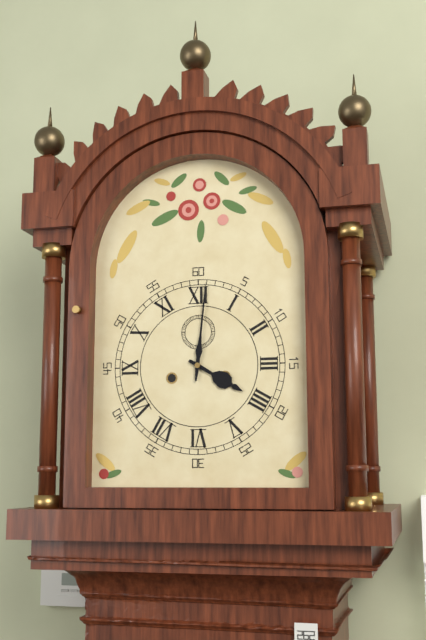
4:01
